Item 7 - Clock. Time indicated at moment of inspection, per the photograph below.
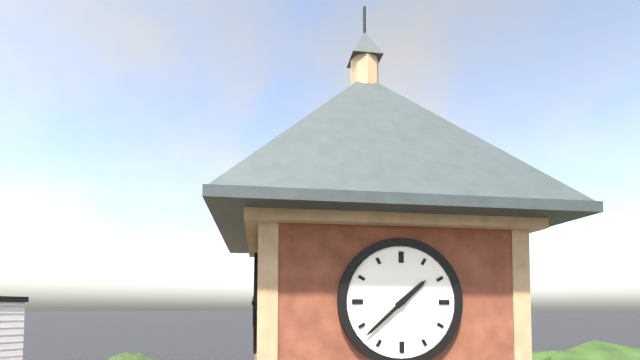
1:38
